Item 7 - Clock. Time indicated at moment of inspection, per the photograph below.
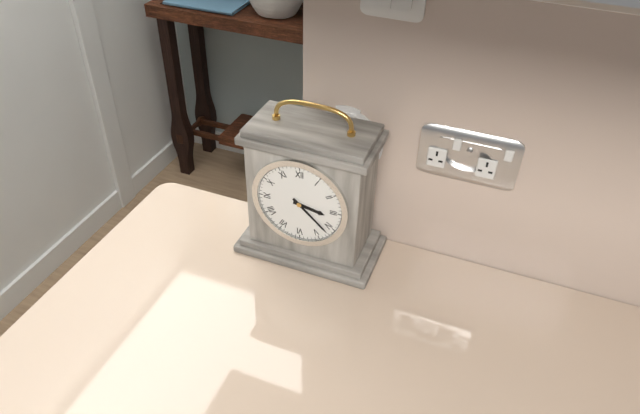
3:22
